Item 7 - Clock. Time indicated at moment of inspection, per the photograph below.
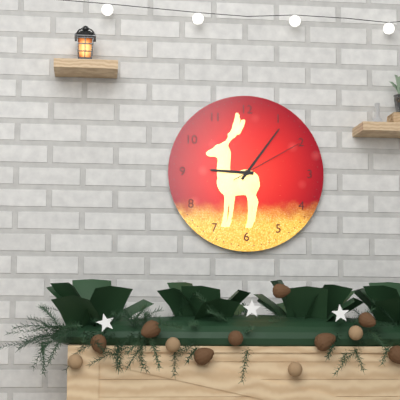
9:06:10
